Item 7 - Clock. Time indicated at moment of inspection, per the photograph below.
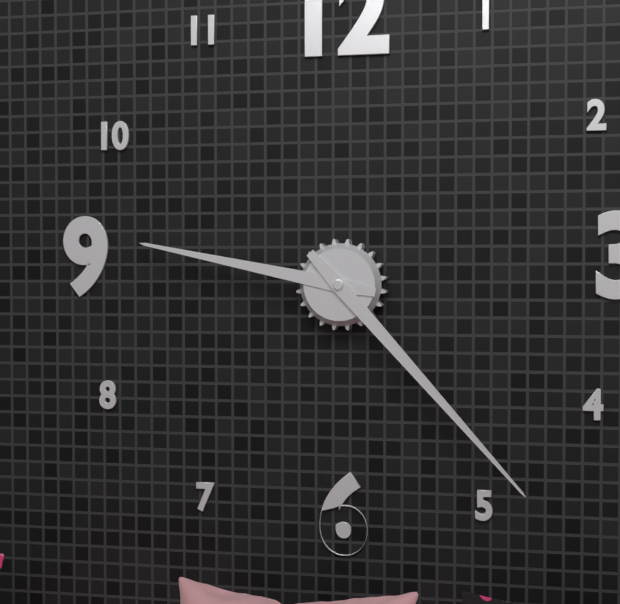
9:23
